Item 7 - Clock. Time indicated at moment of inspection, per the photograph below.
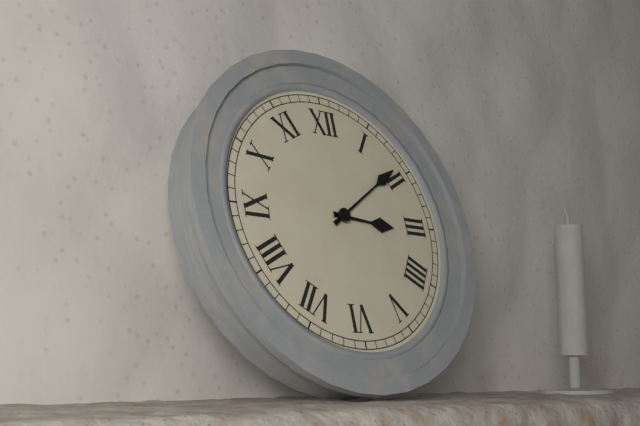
3:09
